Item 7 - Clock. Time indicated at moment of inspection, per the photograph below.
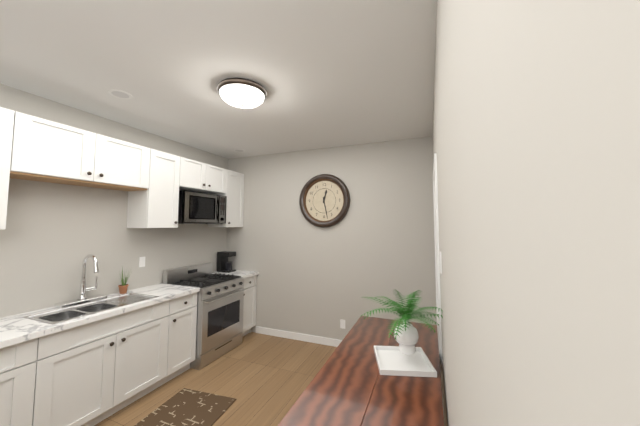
12:28
